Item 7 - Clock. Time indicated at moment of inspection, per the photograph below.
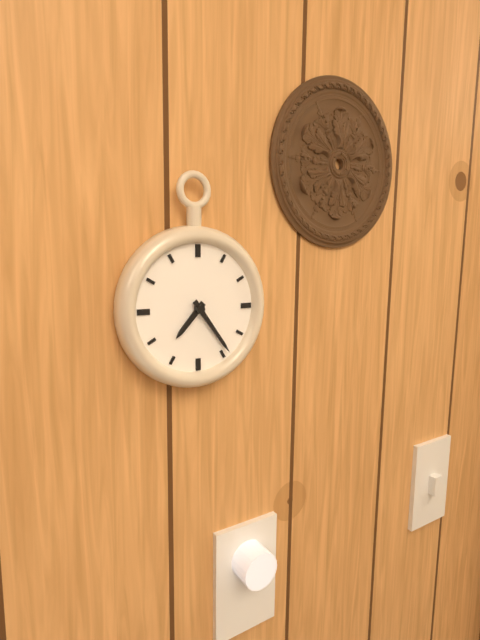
7:24
